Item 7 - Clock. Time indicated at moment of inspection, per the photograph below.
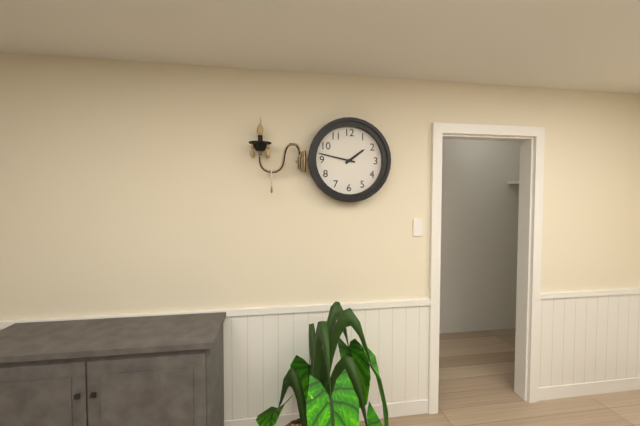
1:47
